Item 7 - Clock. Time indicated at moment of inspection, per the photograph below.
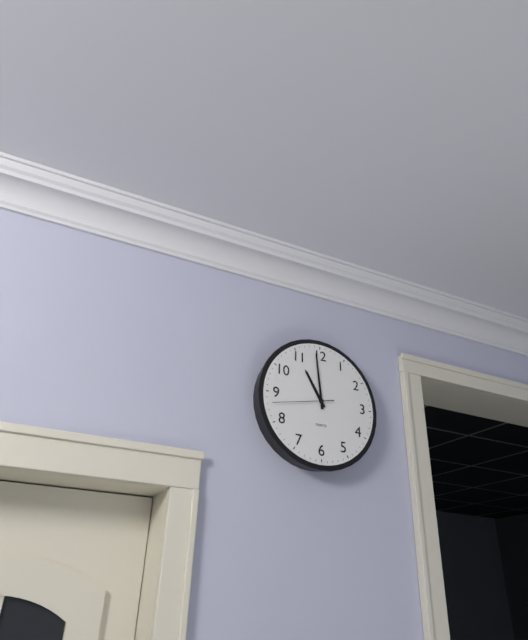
10:59:43
